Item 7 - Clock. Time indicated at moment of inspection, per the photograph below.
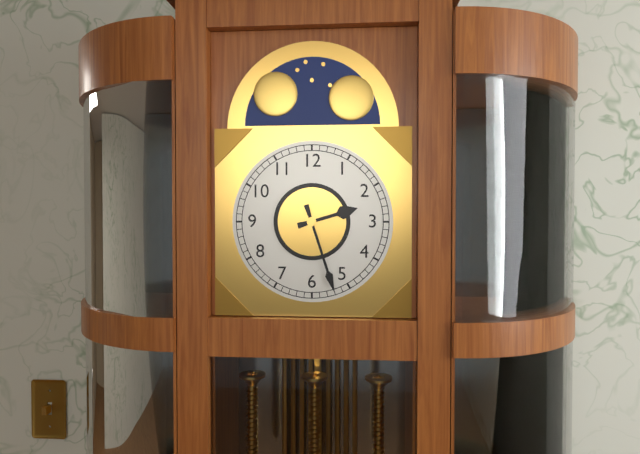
2:27
